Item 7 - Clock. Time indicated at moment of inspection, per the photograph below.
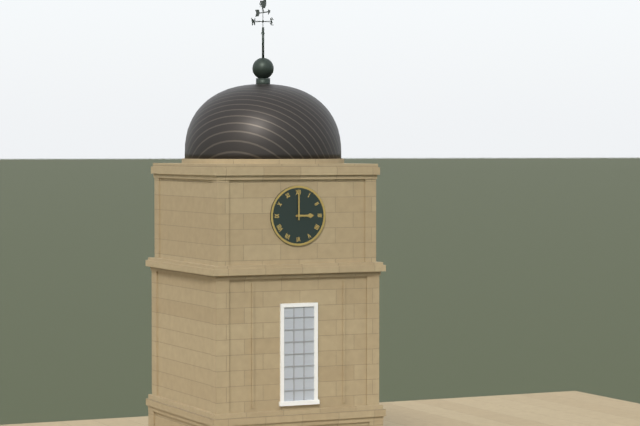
3:00
